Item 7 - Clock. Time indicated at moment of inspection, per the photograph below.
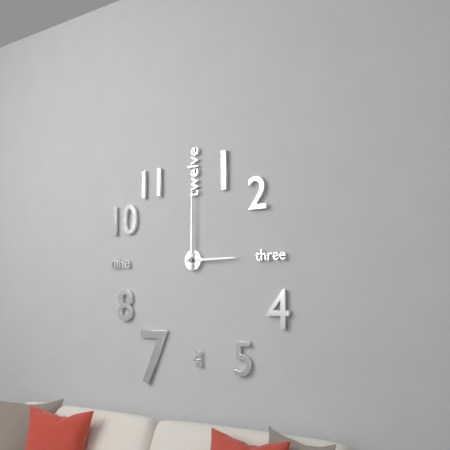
3:00
